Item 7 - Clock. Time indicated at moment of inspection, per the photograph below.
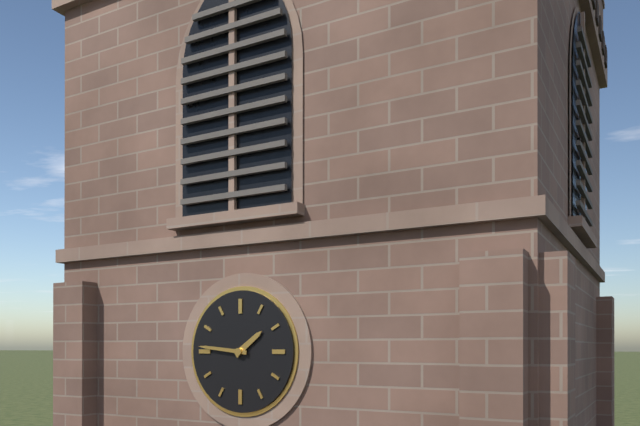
1:46
